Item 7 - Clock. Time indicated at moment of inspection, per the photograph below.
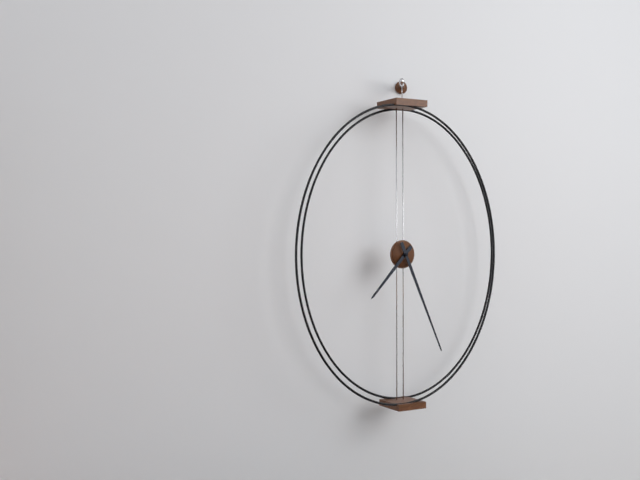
7:26
